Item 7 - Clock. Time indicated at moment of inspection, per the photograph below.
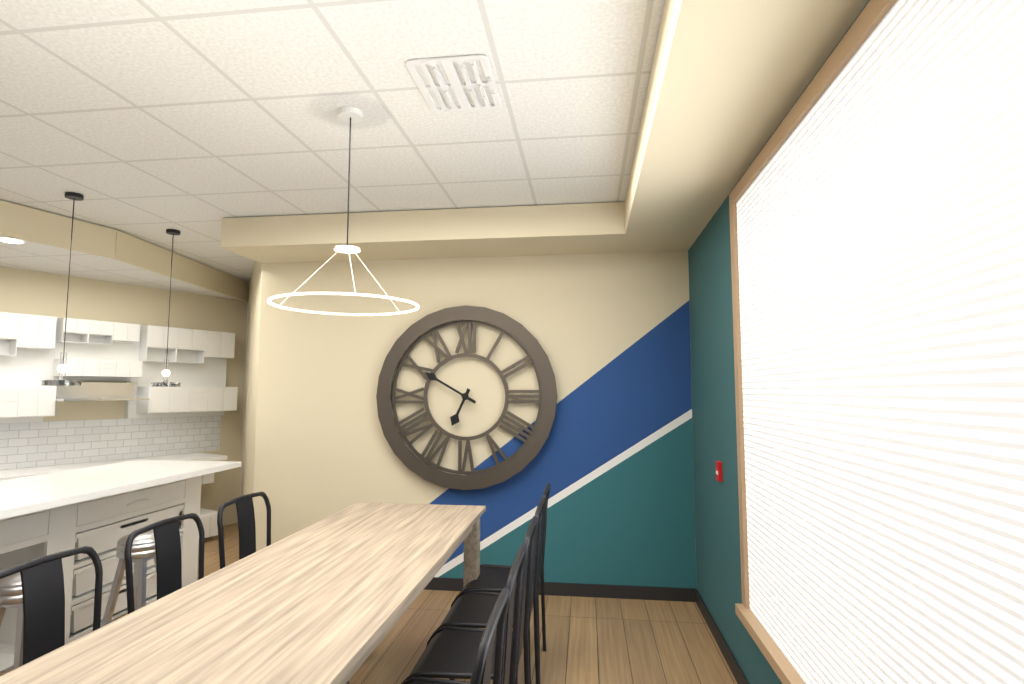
6:50
